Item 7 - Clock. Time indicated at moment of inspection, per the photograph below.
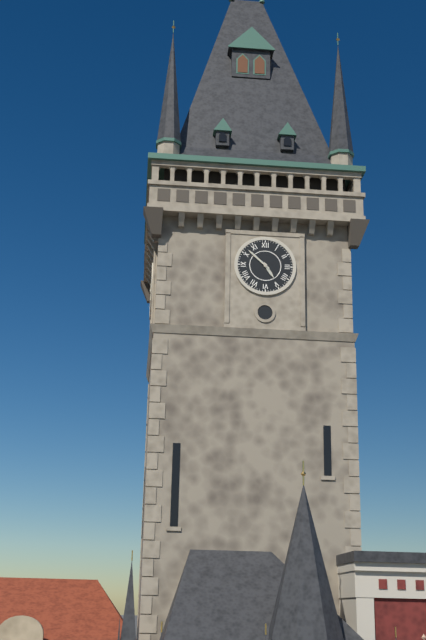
4:52
